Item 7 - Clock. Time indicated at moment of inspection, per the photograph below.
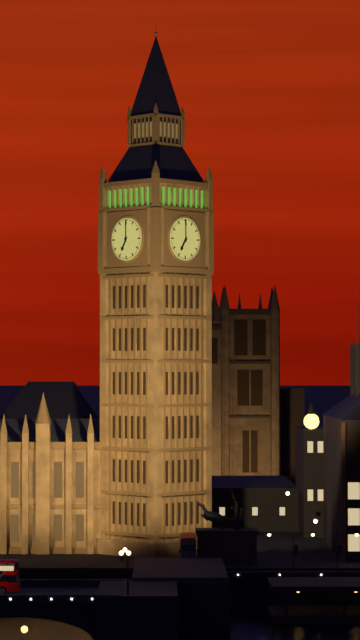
7:00
